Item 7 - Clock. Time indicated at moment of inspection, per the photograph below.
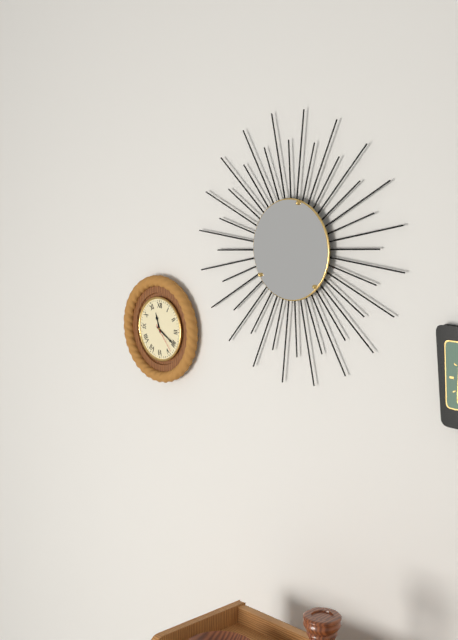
11:20
